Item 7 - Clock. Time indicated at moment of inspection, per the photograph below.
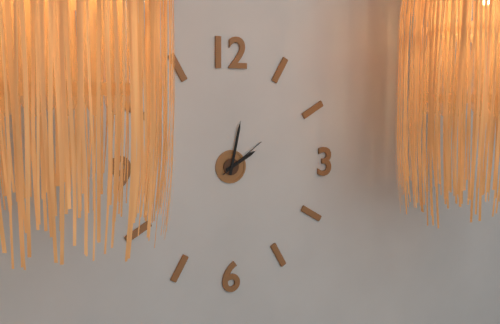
2:02
